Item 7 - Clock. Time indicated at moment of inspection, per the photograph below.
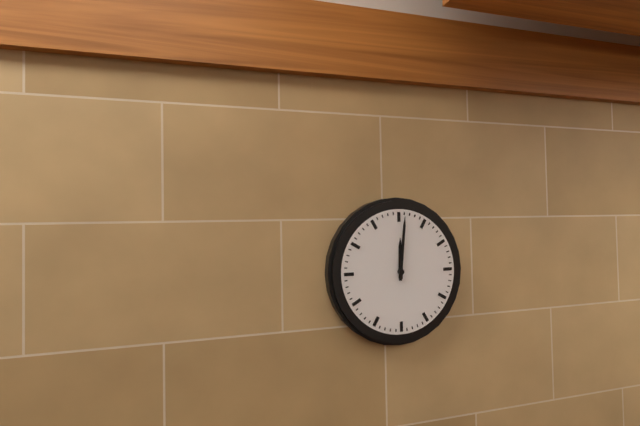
12:01
